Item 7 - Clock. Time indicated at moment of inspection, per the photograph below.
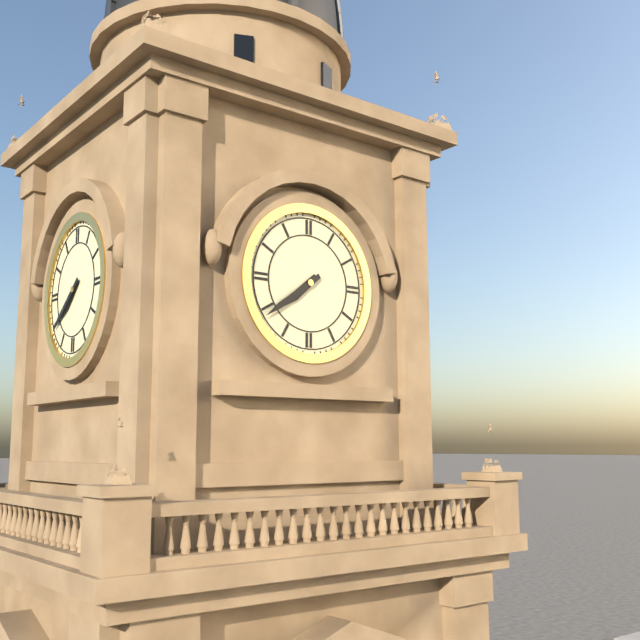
7:39
